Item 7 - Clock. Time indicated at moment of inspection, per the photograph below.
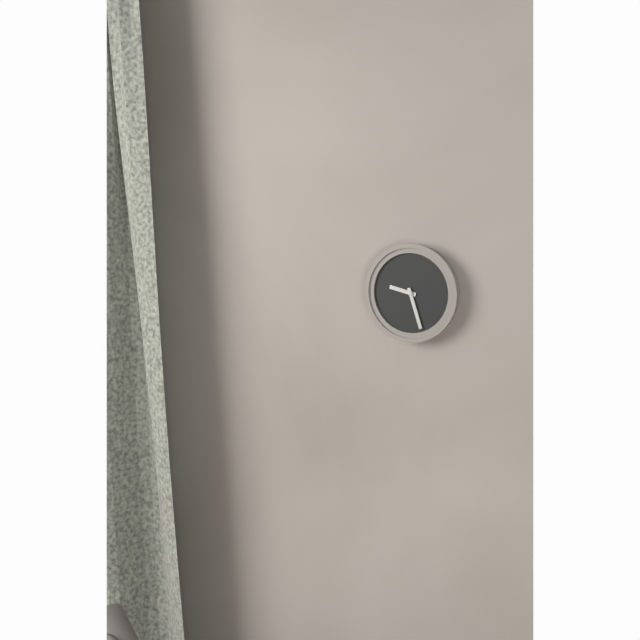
9:27
